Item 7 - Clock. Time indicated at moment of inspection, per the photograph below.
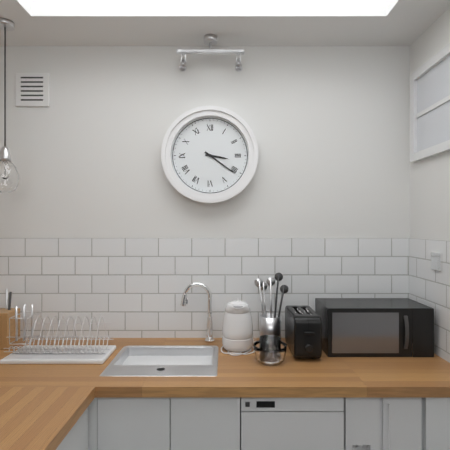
3:21
